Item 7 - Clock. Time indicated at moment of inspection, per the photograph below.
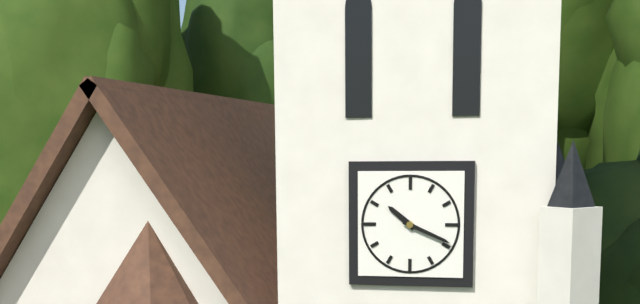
10:19
